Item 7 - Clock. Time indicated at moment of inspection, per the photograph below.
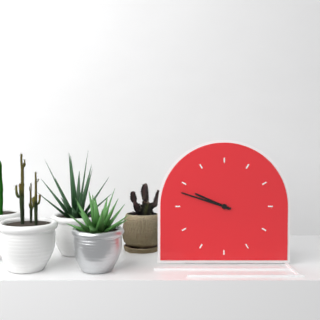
9:48
